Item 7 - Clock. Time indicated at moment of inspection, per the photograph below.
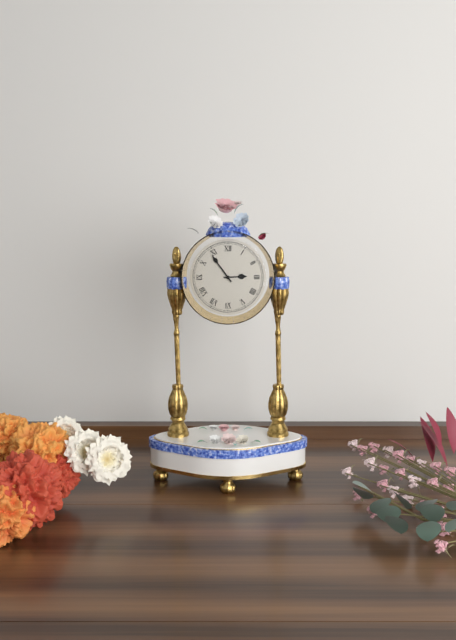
2:54
